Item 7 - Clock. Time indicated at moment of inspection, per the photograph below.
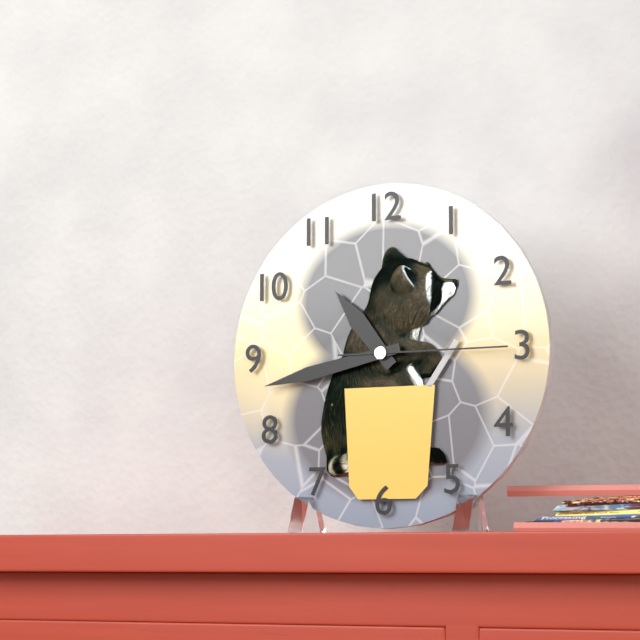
10:43:15
